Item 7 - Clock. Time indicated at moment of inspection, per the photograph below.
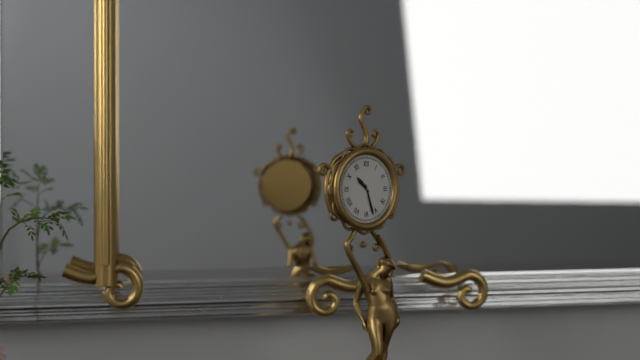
10:27
